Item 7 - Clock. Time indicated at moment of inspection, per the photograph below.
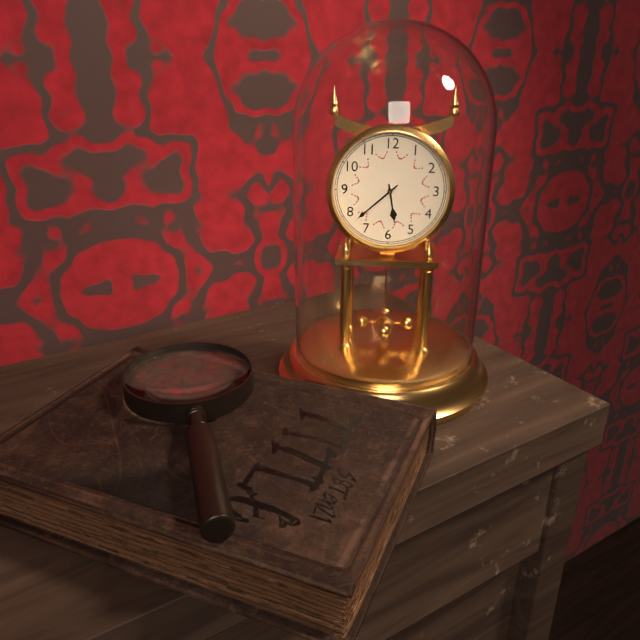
5:38
